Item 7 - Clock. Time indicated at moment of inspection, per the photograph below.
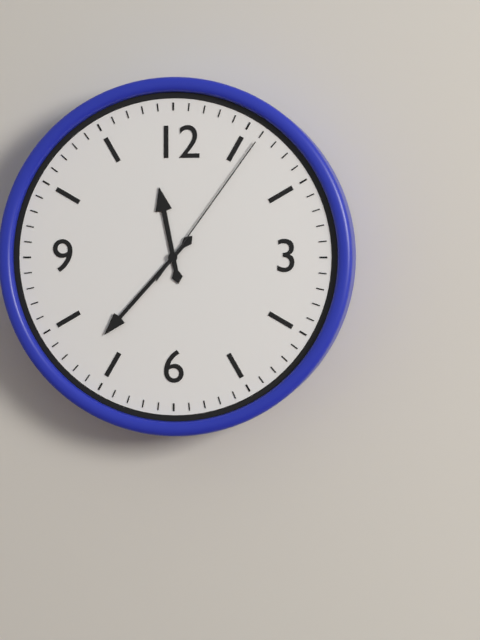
11:37:06
